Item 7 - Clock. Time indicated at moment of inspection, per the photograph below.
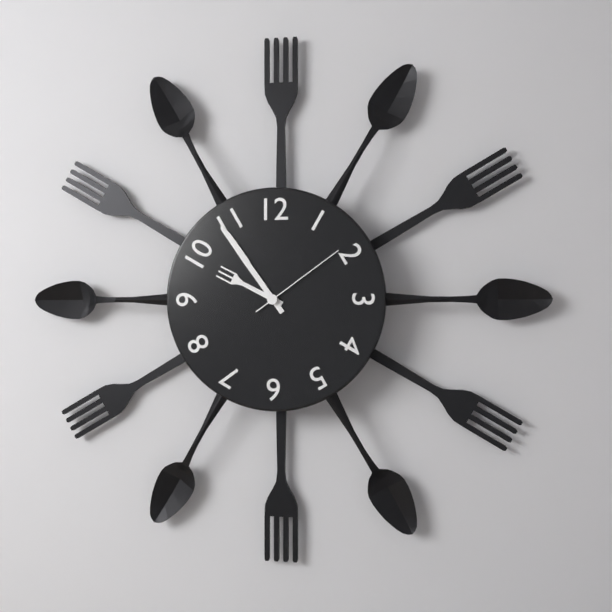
9:54:09
